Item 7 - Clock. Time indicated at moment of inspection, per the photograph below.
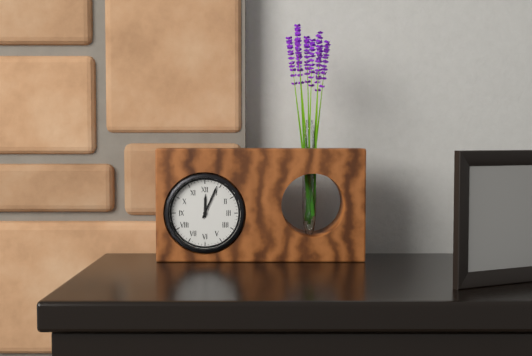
12:04
